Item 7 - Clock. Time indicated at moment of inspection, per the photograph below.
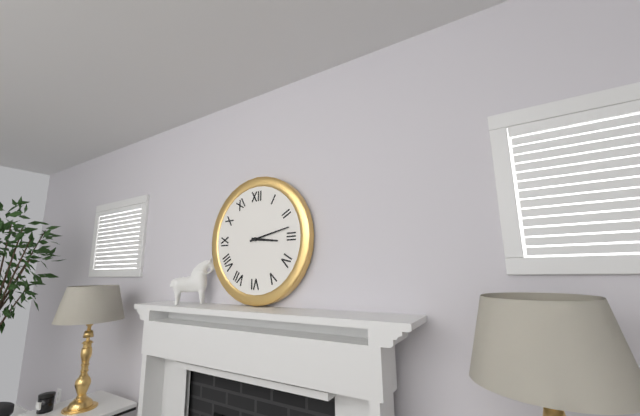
3:13
